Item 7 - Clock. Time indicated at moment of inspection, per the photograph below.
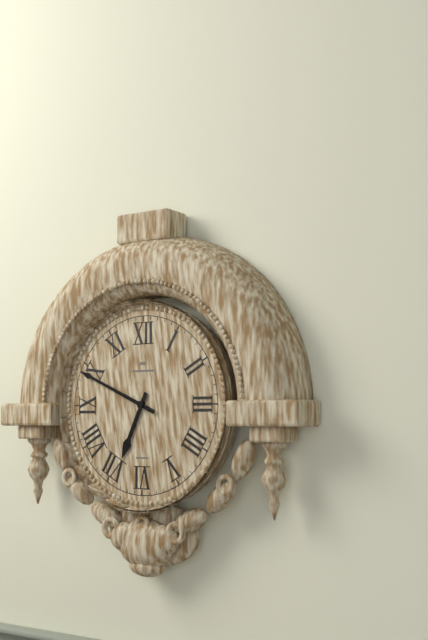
6:49
